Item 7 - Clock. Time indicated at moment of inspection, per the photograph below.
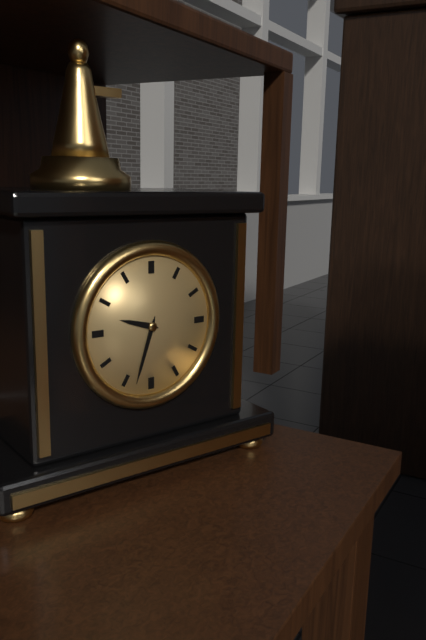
9:33
